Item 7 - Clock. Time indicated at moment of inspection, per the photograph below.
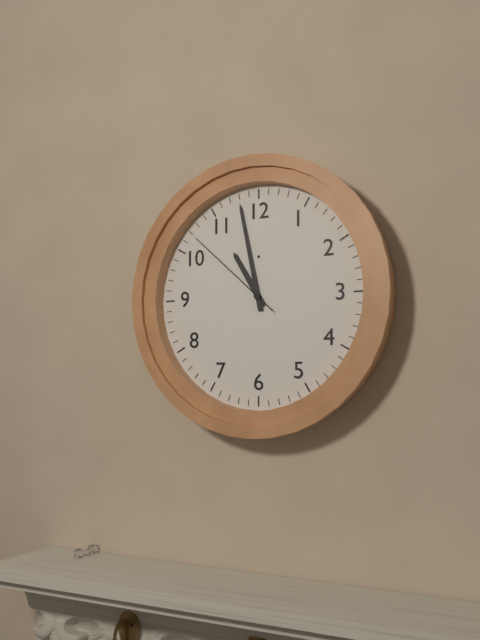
10:58:52
